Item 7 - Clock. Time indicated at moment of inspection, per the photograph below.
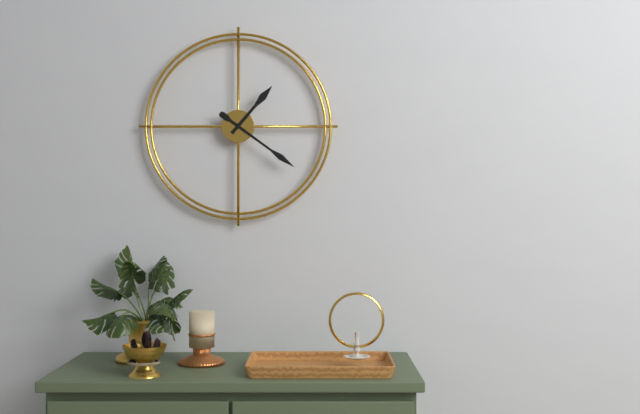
1:21
